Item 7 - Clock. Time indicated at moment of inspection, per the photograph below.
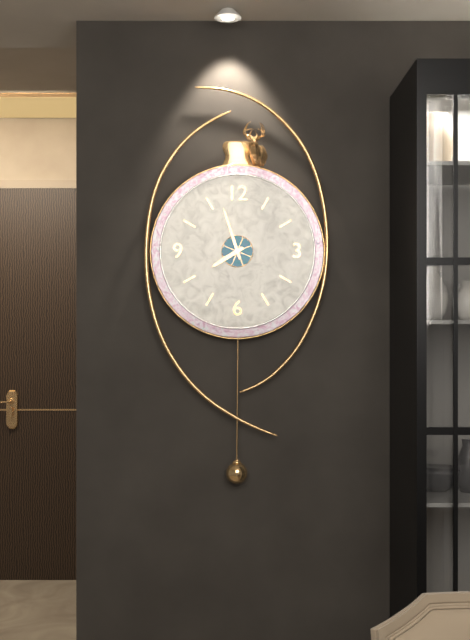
7:57
